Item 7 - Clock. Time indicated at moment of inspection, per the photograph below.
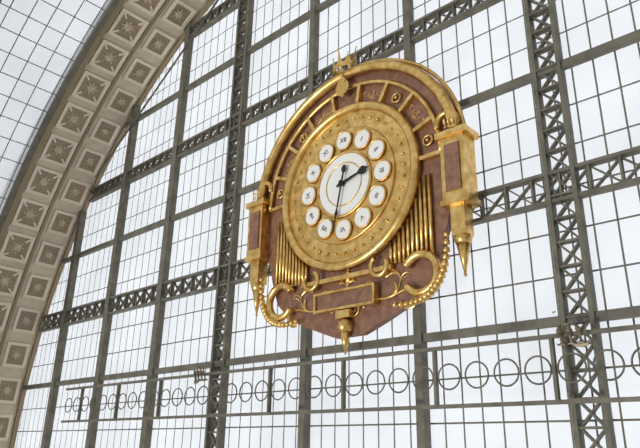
2:32
